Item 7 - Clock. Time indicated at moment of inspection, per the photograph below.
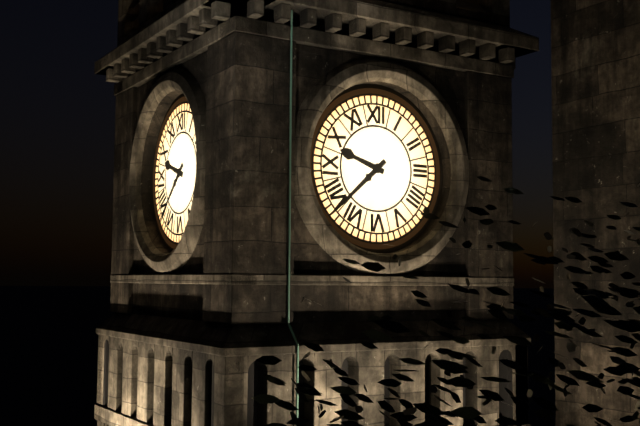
9:38
